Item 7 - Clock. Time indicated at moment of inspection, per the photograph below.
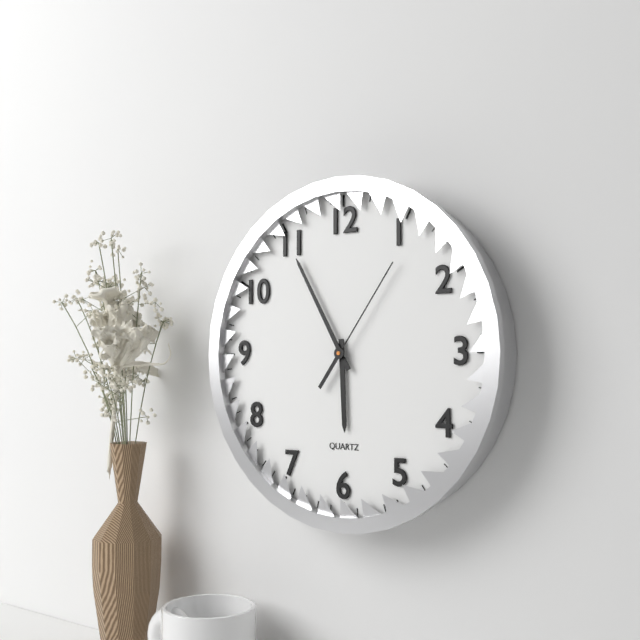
5:55:06
